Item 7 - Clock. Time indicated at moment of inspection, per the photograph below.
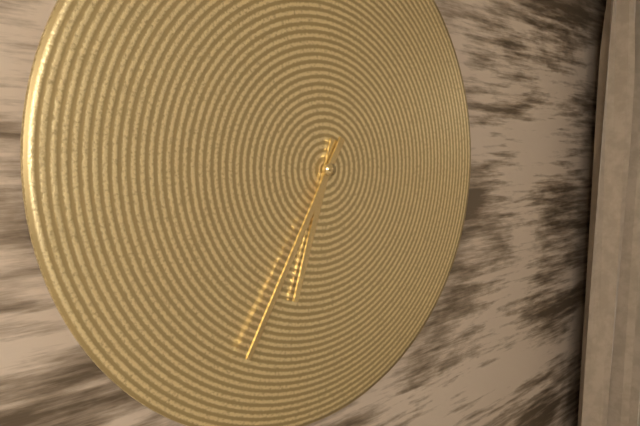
6:35
